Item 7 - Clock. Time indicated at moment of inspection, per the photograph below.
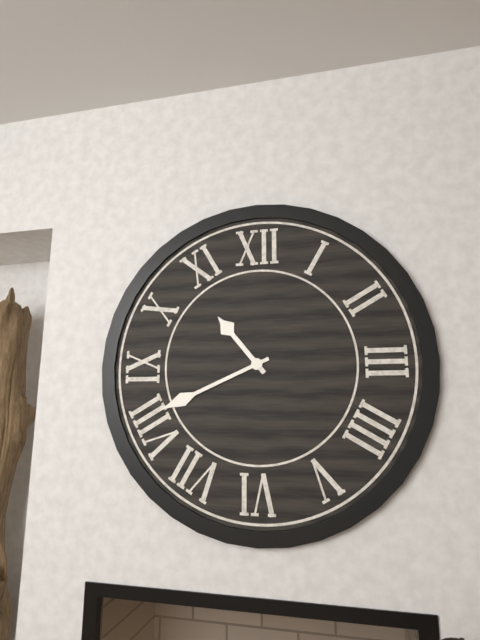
10:41
